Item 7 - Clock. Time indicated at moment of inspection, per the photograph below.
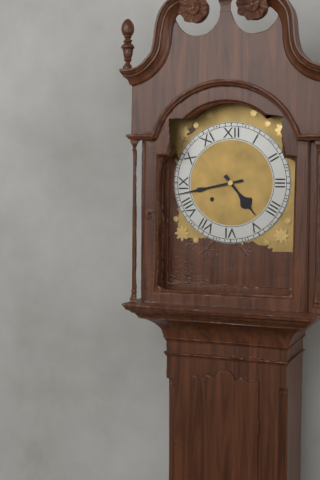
4:43
